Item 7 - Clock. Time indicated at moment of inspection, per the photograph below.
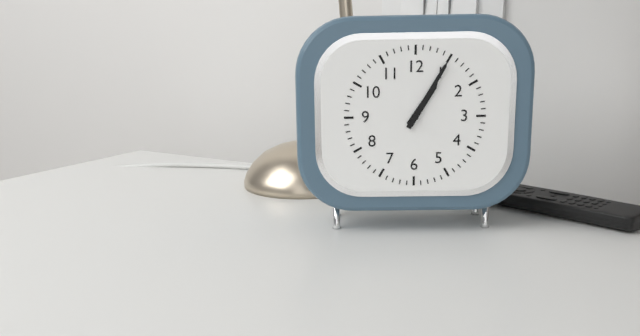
1:05
